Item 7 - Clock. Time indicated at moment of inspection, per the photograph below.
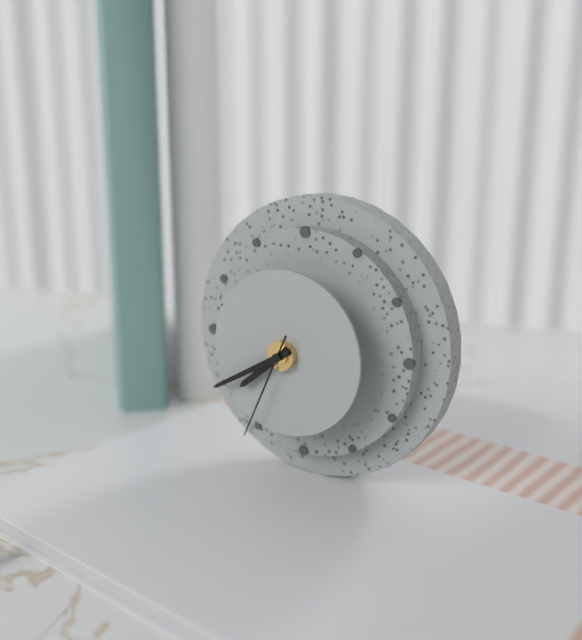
7:40:34
